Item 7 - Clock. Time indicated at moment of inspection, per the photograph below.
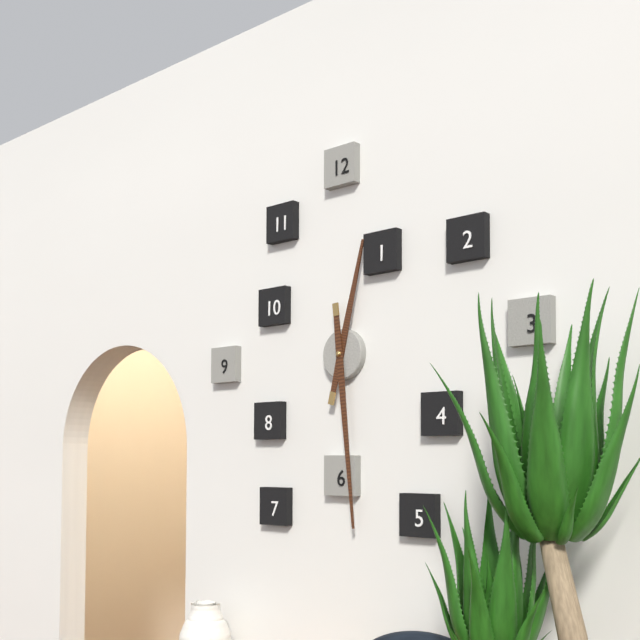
12:29
